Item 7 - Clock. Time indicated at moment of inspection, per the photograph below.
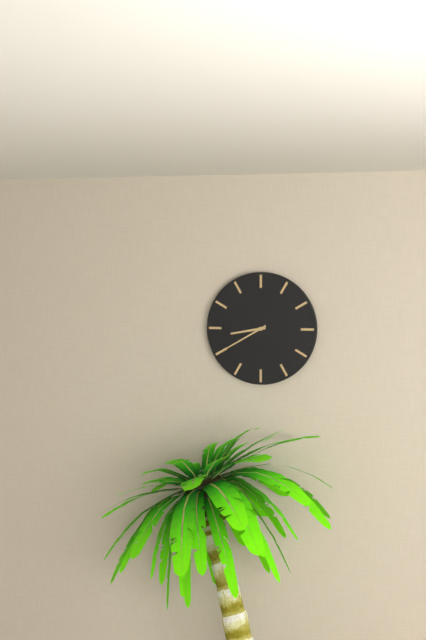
8:40
